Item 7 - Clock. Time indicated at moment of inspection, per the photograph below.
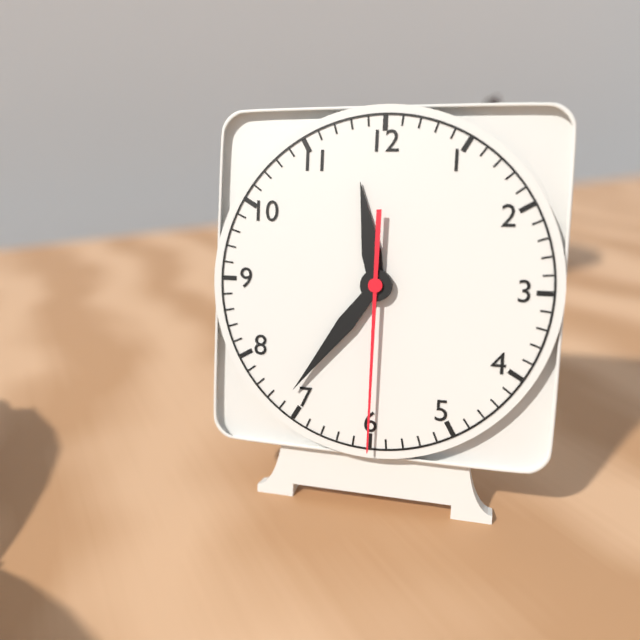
11:36:30
